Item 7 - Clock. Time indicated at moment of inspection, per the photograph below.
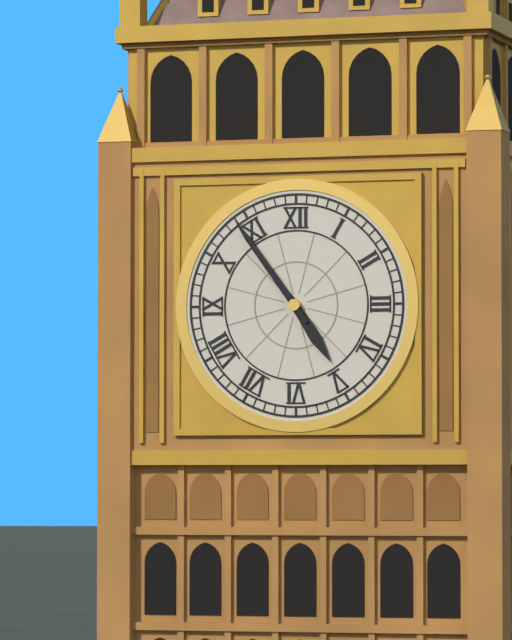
4:54
